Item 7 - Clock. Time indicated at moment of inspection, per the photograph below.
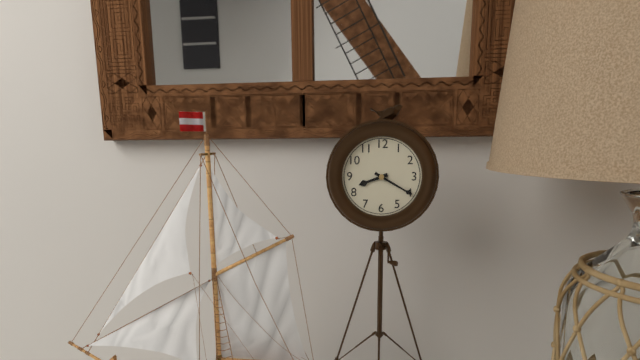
8:20
